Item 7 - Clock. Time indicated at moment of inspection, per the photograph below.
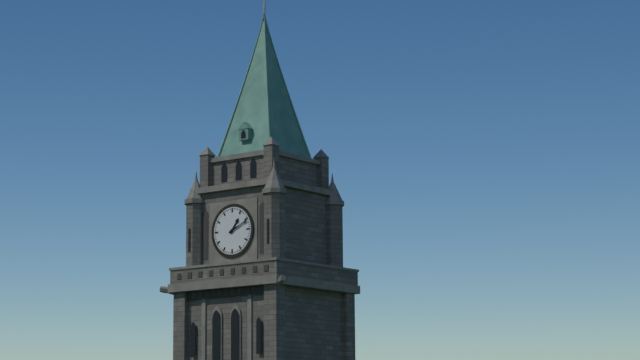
1:11
